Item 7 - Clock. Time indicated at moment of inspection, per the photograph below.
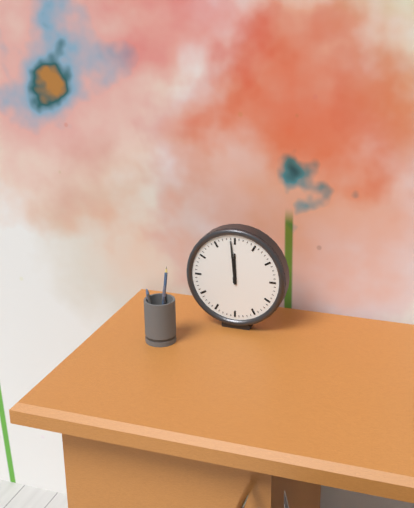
11:59
